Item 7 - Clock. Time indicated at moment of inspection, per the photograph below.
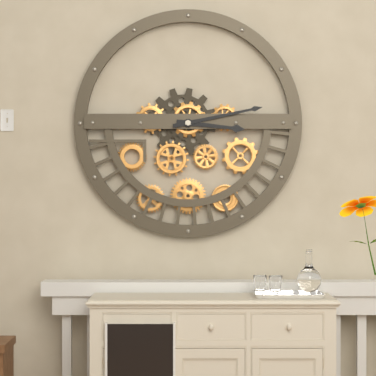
3:13
